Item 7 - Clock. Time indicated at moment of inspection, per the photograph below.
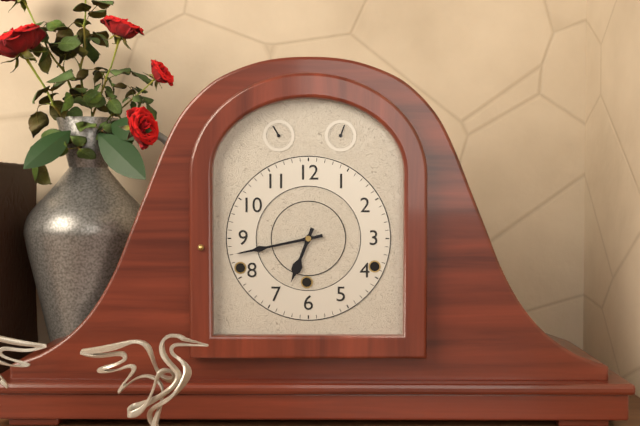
6:43
